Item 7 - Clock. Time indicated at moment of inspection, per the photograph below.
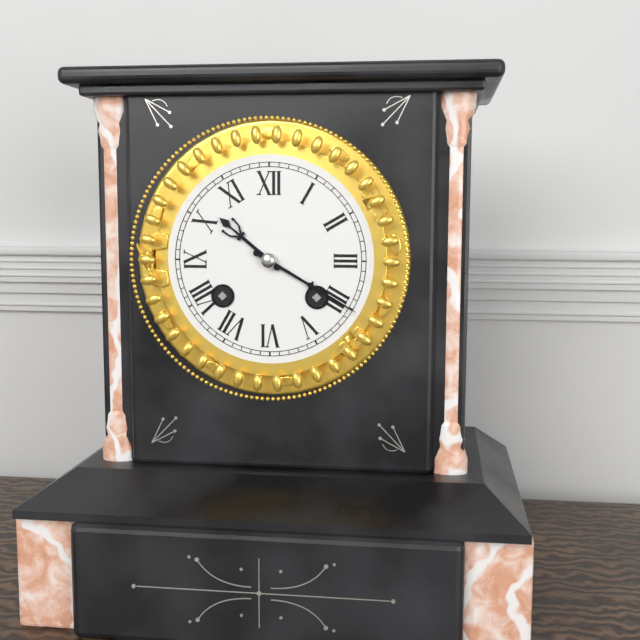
10:20
